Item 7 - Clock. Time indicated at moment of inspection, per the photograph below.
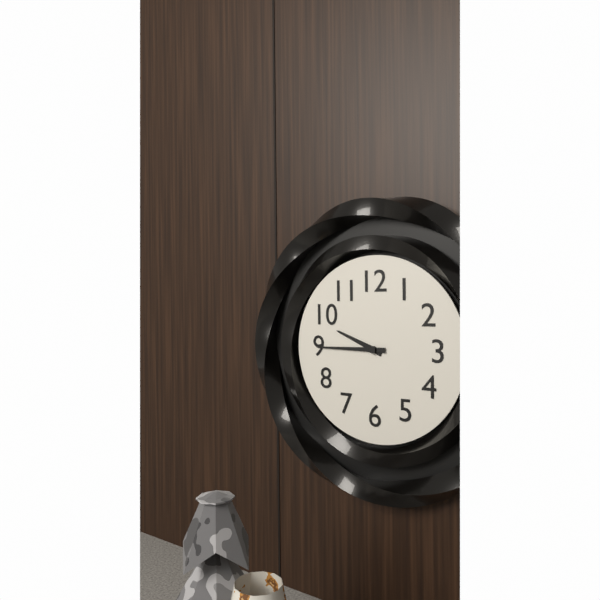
9:45
